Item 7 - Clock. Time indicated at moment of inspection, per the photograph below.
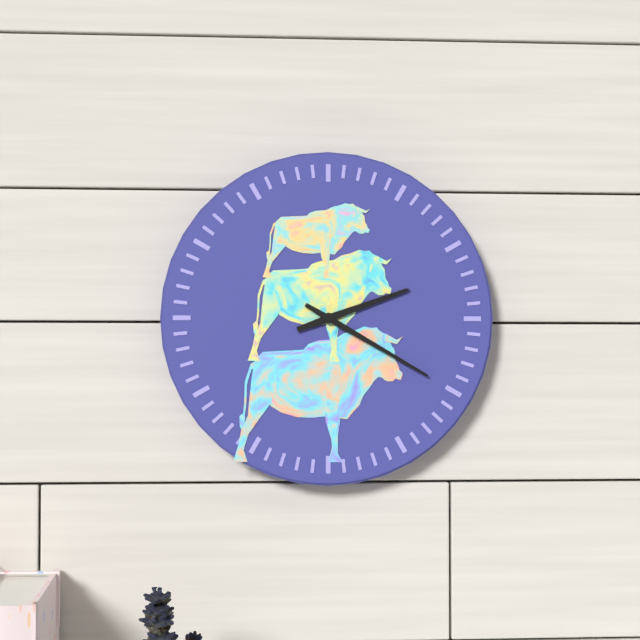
2:20
